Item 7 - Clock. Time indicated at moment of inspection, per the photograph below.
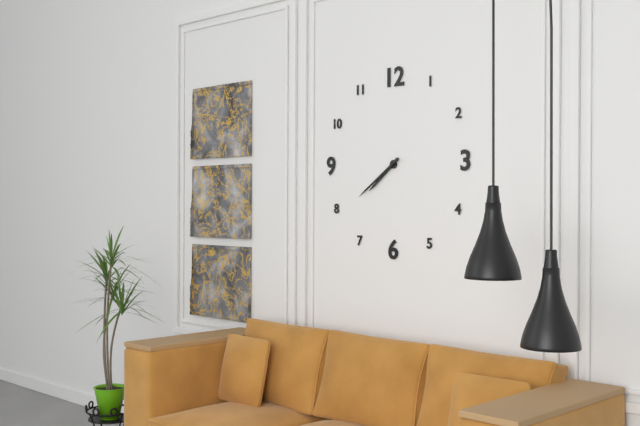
7:39
